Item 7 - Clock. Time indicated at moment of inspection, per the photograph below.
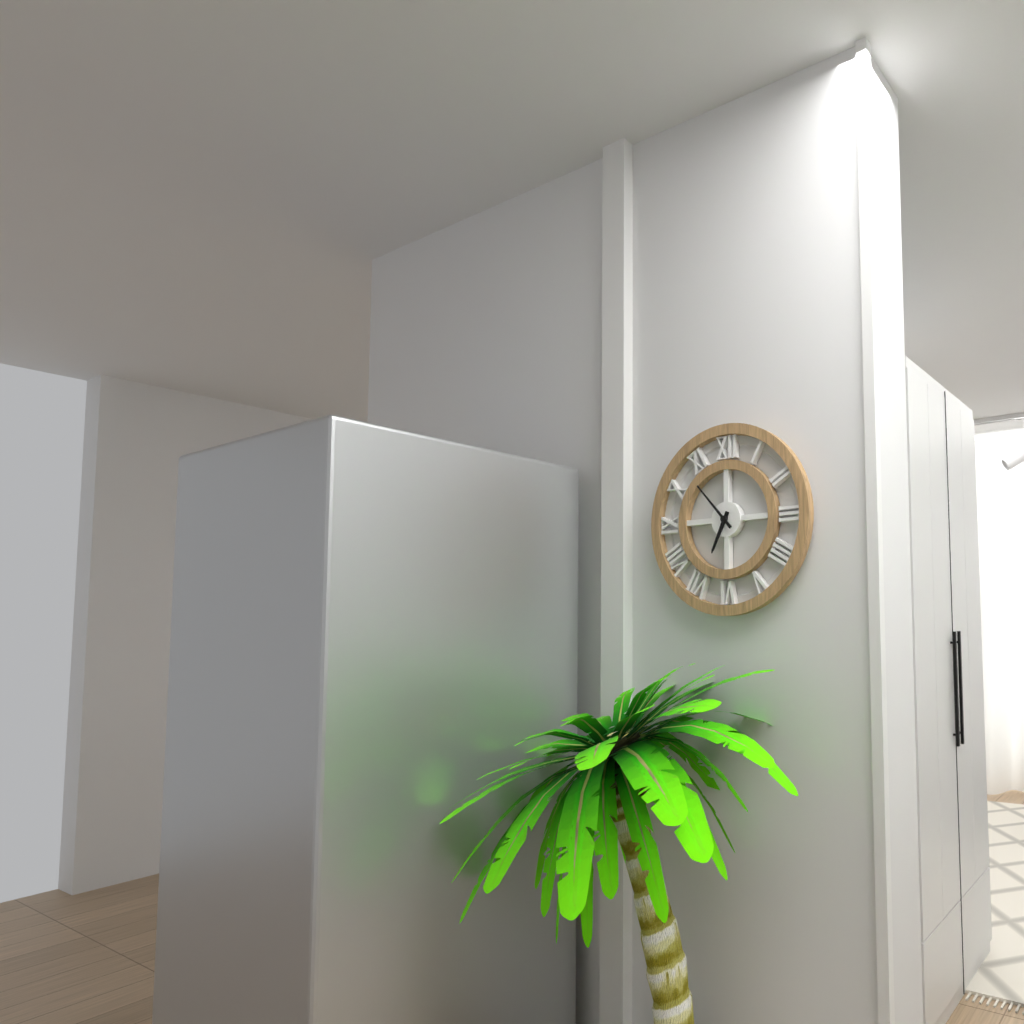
6:53
